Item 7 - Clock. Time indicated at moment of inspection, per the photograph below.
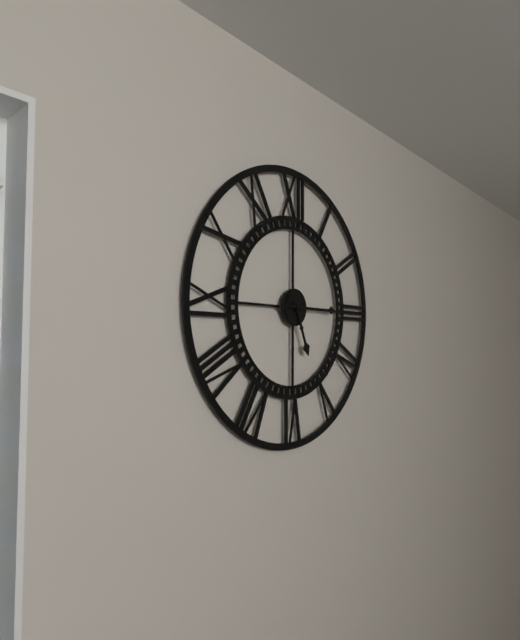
5:15
